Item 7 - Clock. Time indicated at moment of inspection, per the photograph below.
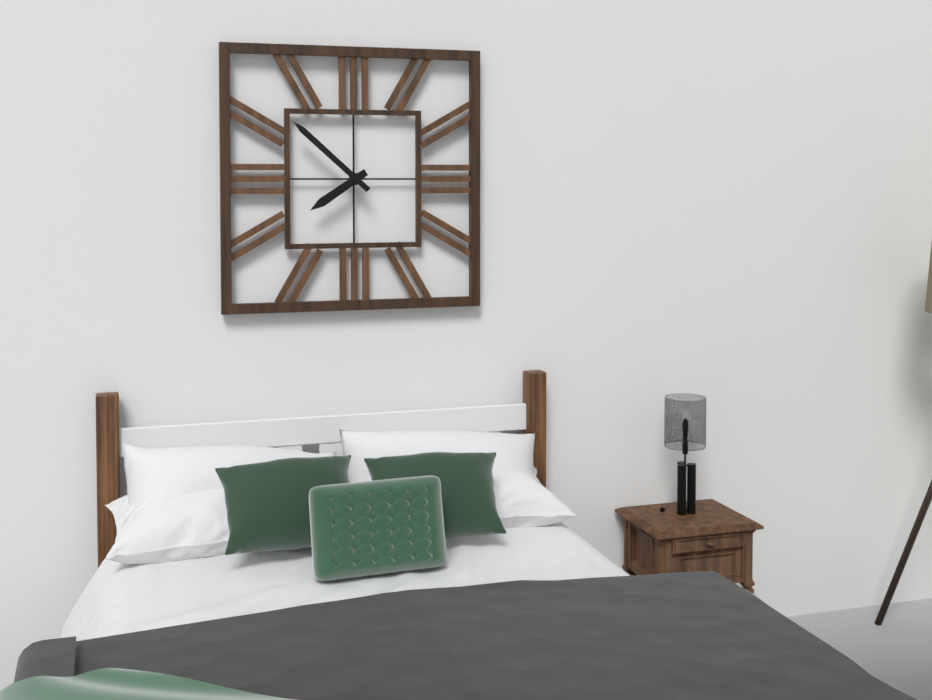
7:52
